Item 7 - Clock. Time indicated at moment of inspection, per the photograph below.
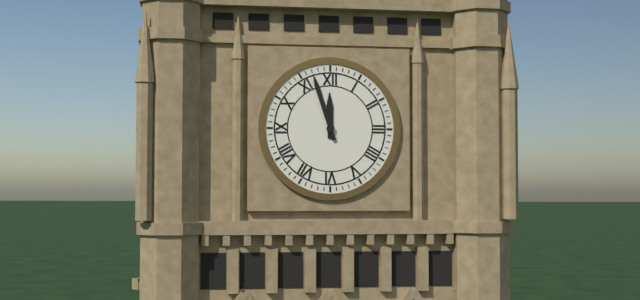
11:57
